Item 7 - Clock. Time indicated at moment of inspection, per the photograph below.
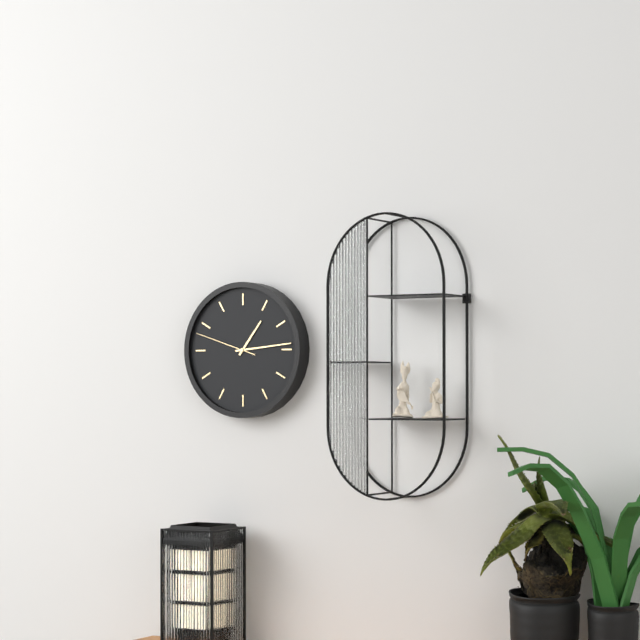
1:14:48
